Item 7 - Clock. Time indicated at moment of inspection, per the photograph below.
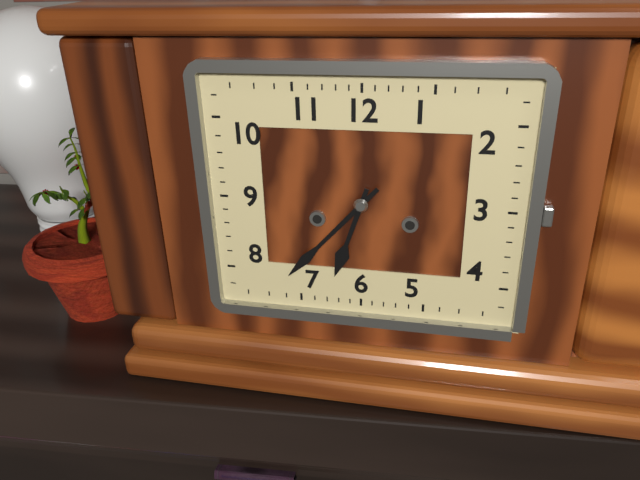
6:37
